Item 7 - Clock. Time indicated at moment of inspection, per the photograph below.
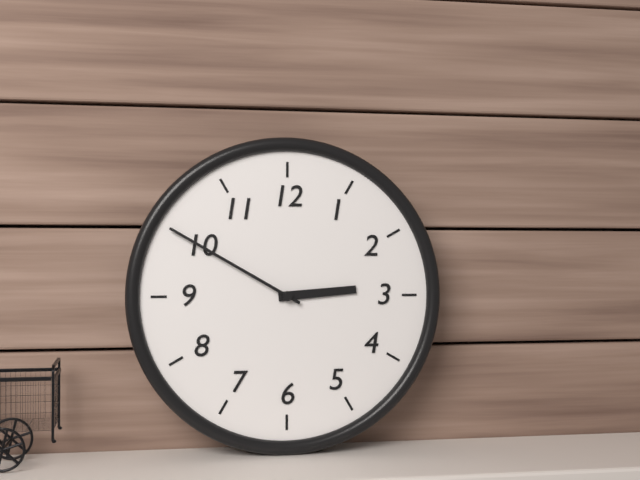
2:50
